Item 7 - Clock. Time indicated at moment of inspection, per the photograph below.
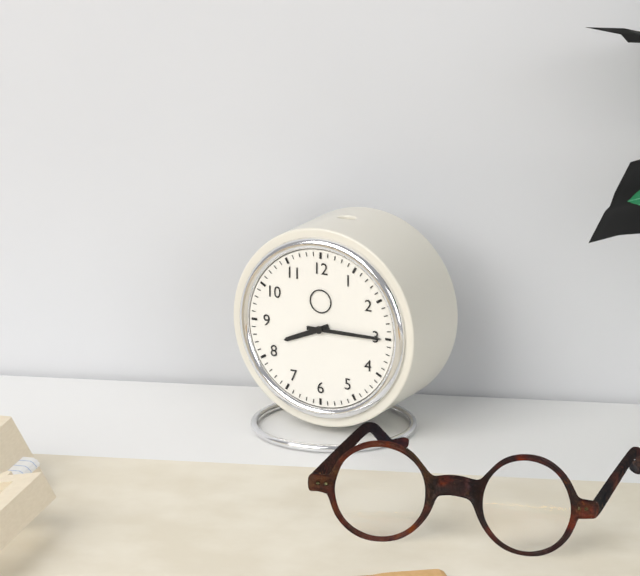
8:15
